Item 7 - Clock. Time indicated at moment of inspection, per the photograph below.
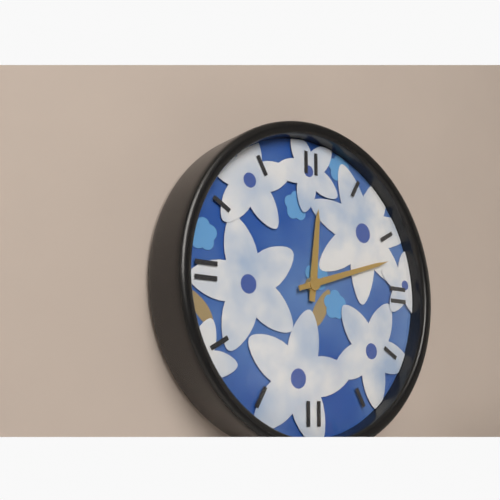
12:12
